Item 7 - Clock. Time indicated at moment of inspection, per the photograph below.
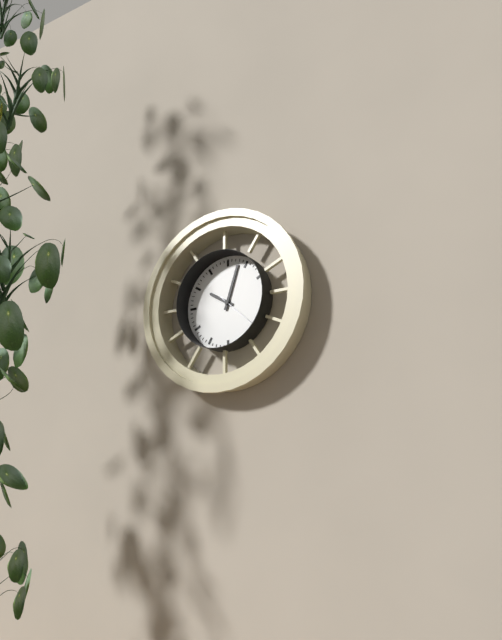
10:03
